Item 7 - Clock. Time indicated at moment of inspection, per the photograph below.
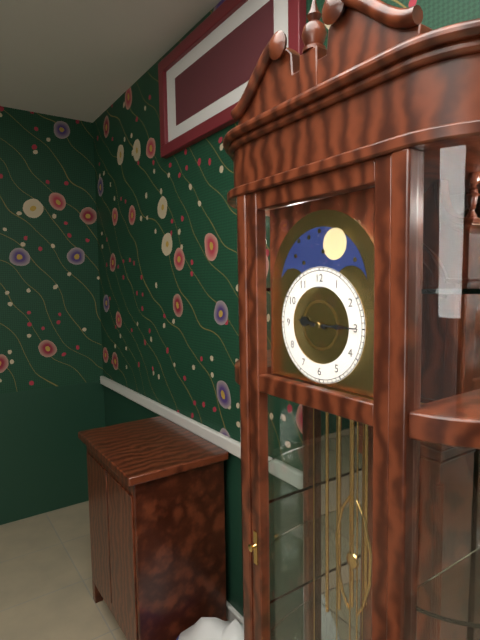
9:15
